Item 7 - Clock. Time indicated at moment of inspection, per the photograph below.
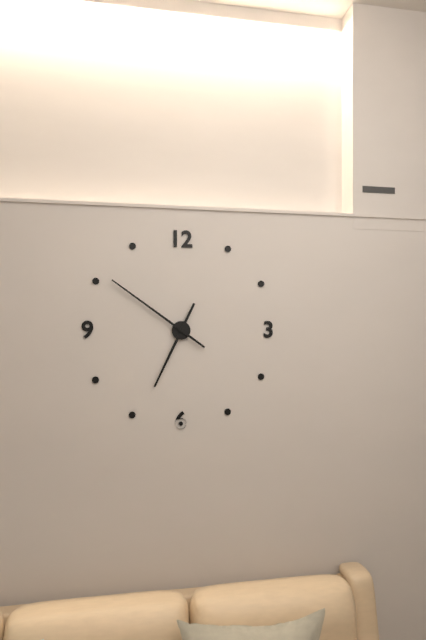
6:51
